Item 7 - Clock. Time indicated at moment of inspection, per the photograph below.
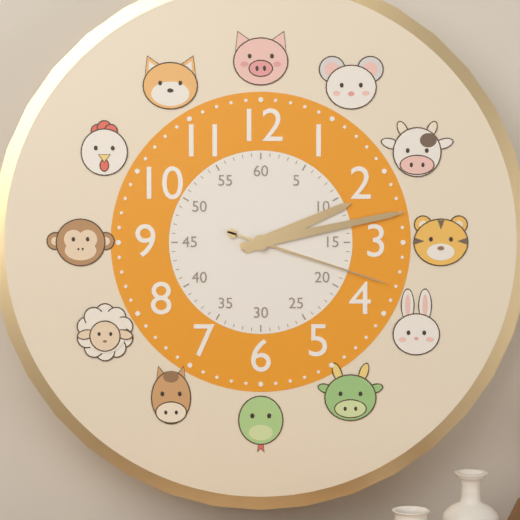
2:13:18
